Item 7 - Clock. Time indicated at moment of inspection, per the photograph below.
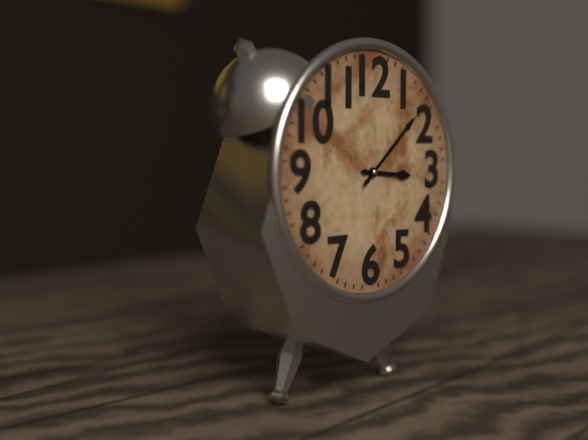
3:08
